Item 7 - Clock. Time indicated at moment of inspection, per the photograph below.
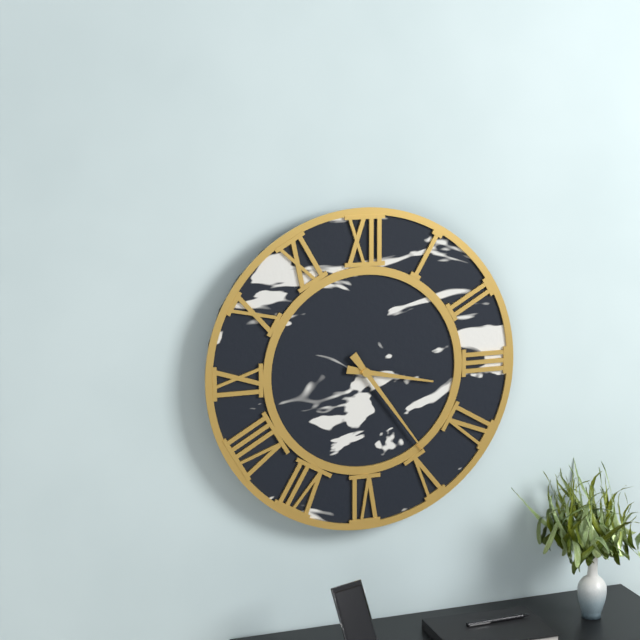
3:24
